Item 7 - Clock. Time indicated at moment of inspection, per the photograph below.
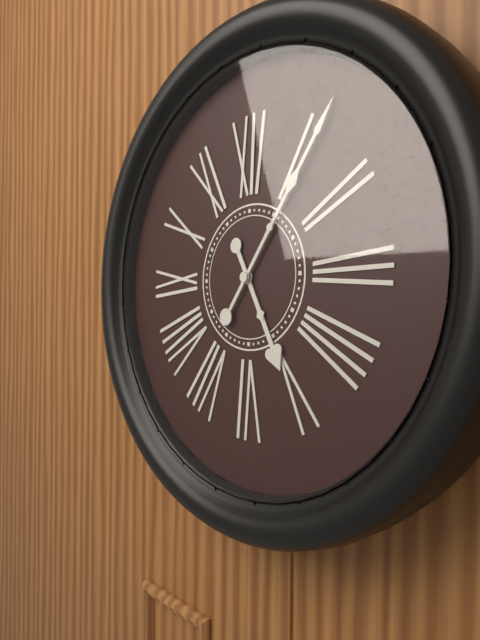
5:06
